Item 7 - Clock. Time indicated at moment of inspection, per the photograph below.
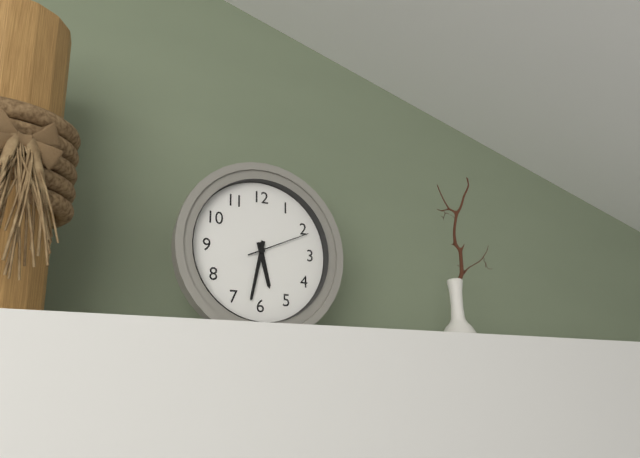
5:32:11
